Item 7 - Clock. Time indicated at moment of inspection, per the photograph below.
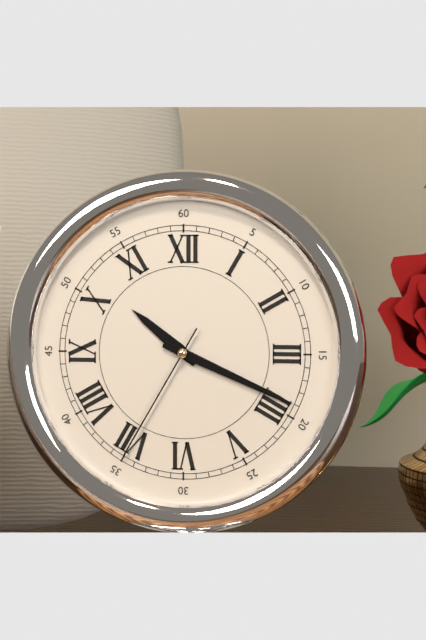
10:19:35
